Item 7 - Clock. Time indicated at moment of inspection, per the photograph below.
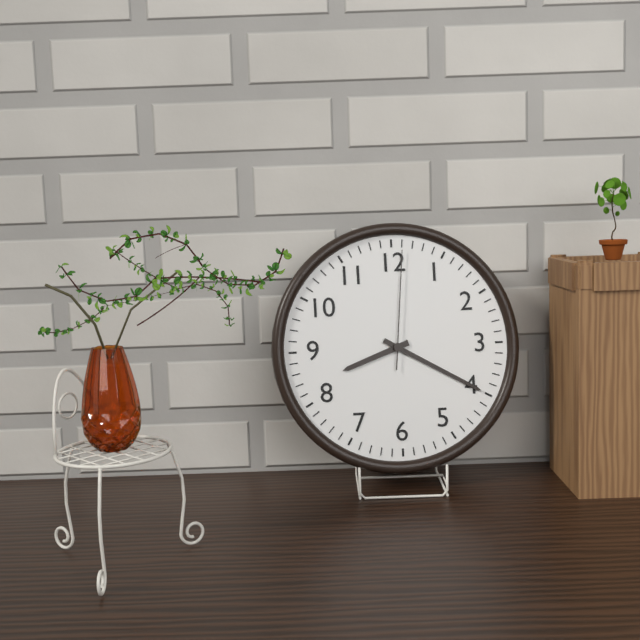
8:20:01
